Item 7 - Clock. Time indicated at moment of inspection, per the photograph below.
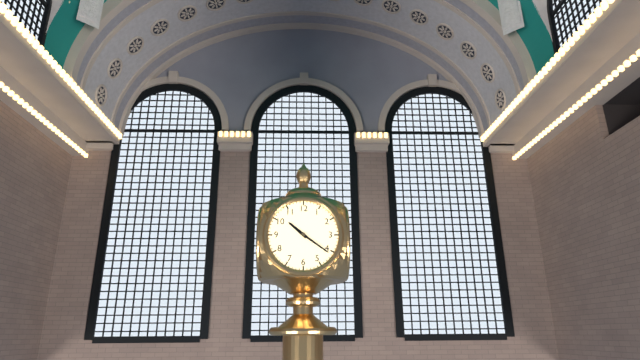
10:21
